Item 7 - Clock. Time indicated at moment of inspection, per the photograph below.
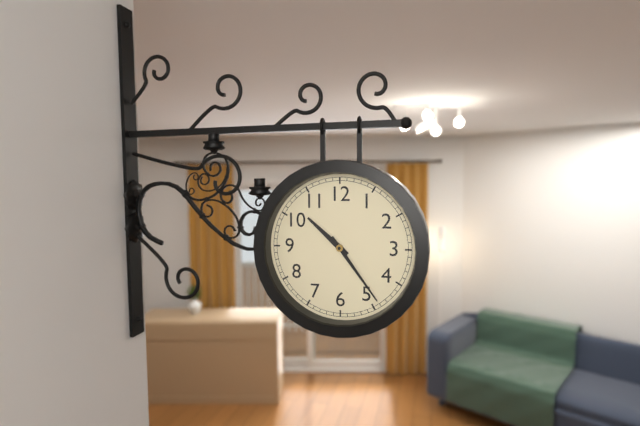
10:24
